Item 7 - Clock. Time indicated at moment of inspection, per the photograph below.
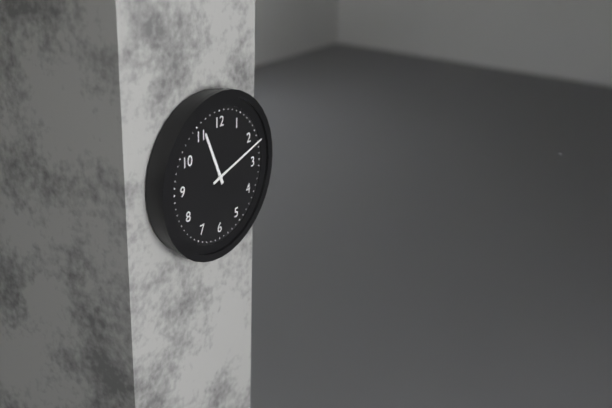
11:12
